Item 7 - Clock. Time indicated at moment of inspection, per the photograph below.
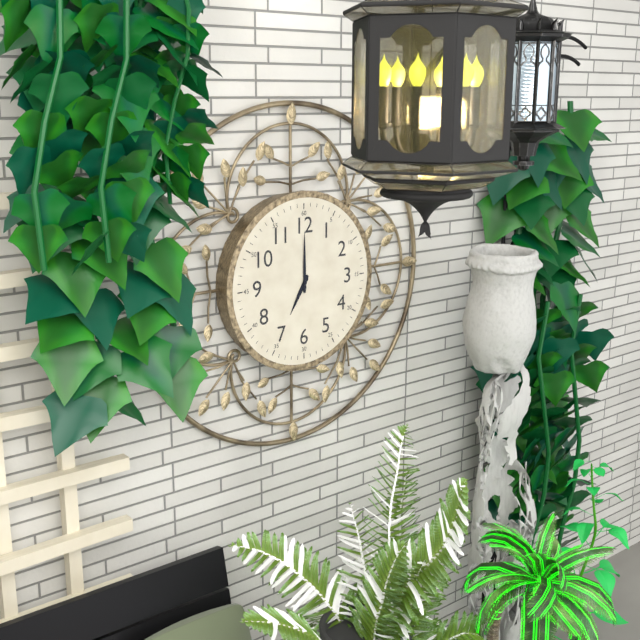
7:00
